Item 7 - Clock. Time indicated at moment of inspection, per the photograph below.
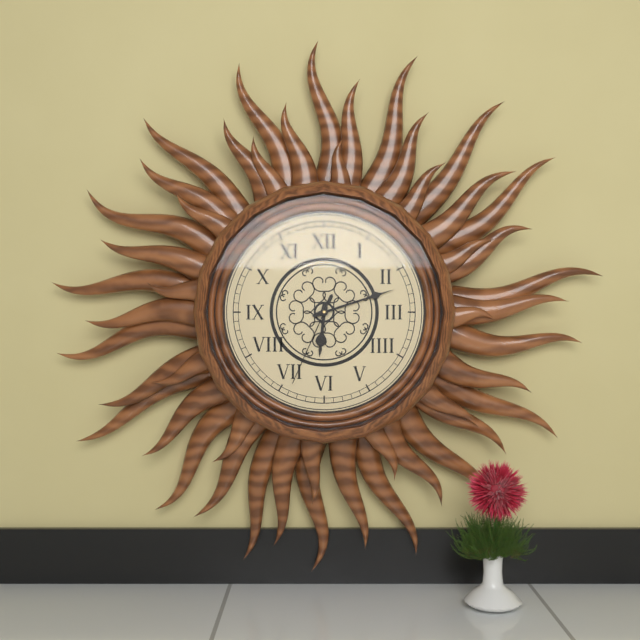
6:12:34
